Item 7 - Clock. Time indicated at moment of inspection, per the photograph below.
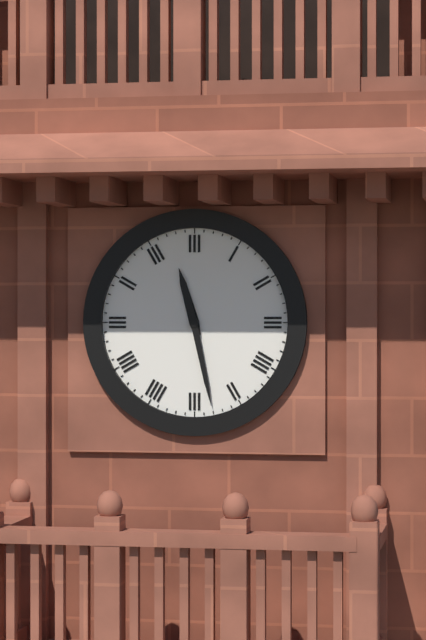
11:28
